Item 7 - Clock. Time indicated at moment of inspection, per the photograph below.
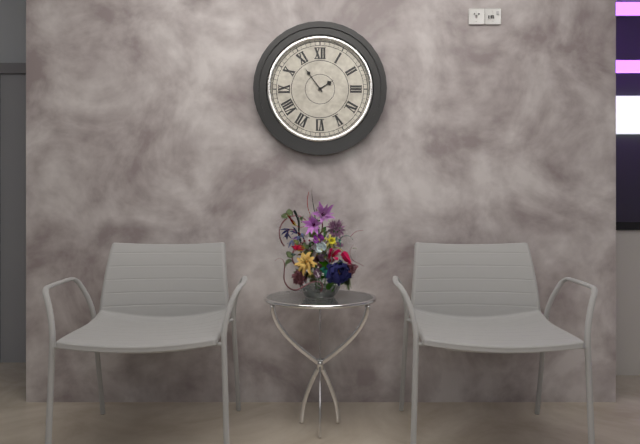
1:54
